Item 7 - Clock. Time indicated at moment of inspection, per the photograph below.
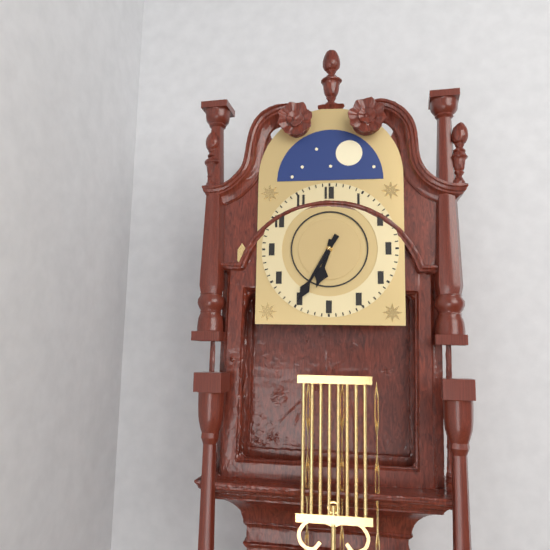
6:35
